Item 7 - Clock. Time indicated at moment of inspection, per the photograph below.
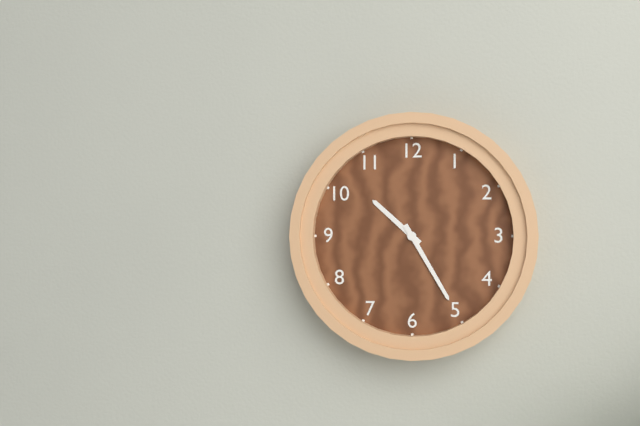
10:25
